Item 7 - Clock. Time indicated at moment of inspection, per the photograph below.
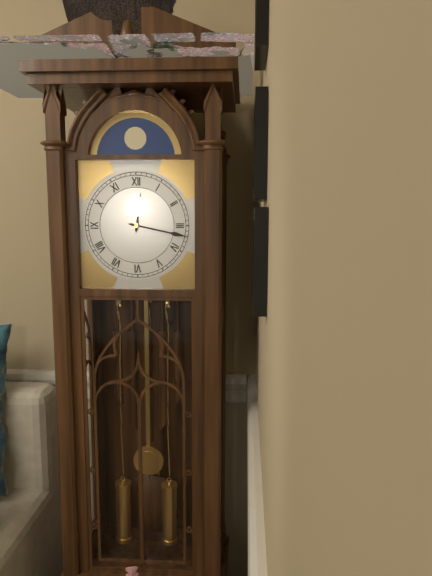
12:17
